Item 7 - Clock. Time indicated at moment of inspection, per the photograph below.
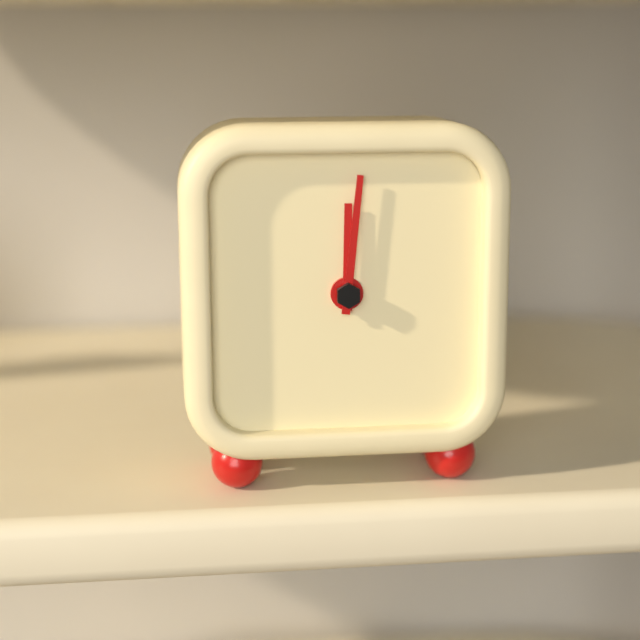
12:01
